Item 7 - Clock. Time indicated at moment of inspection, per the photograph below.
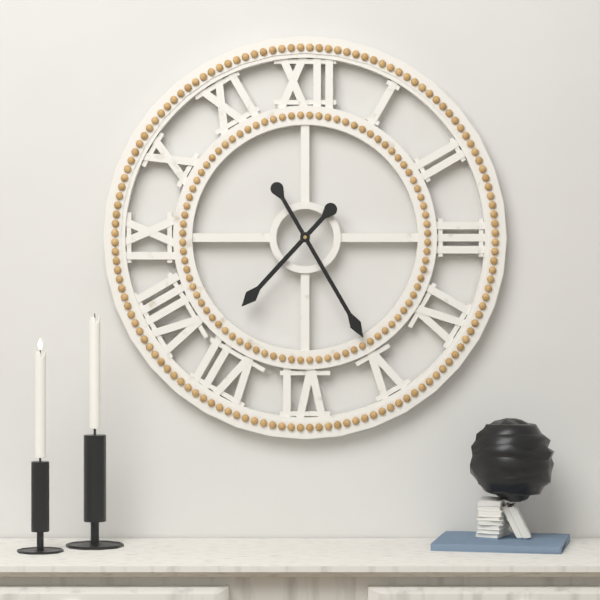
7:25
